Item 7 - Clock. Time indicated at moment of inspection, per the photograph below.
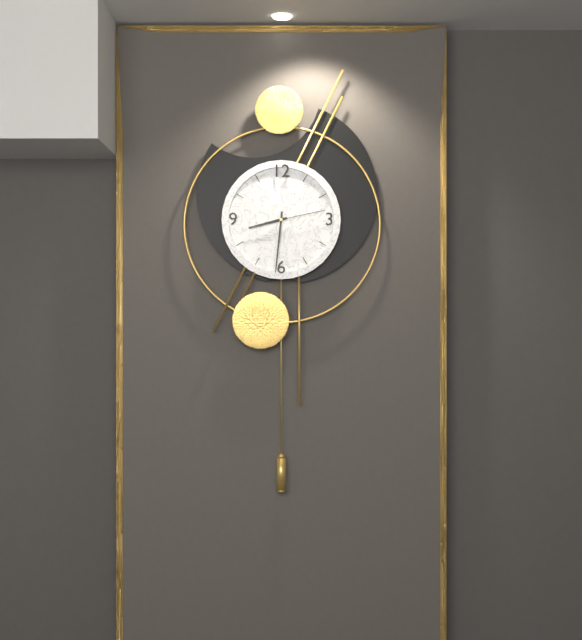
8:31:13
